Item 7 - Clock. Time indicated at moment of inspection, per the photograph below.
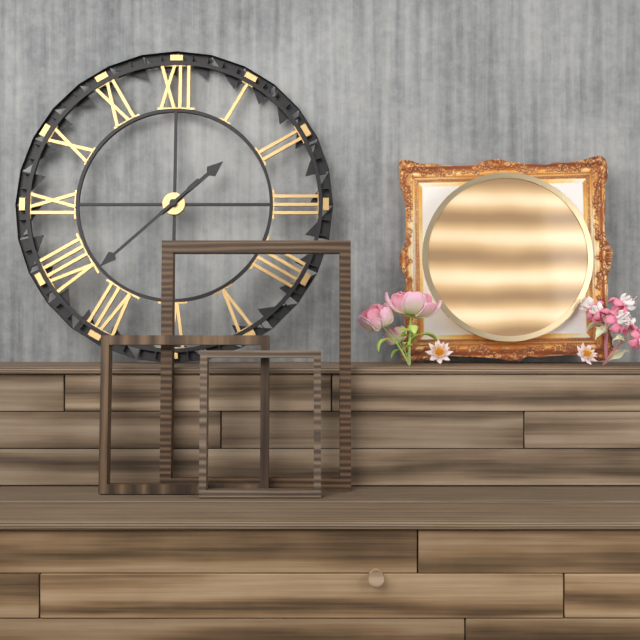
1:38
